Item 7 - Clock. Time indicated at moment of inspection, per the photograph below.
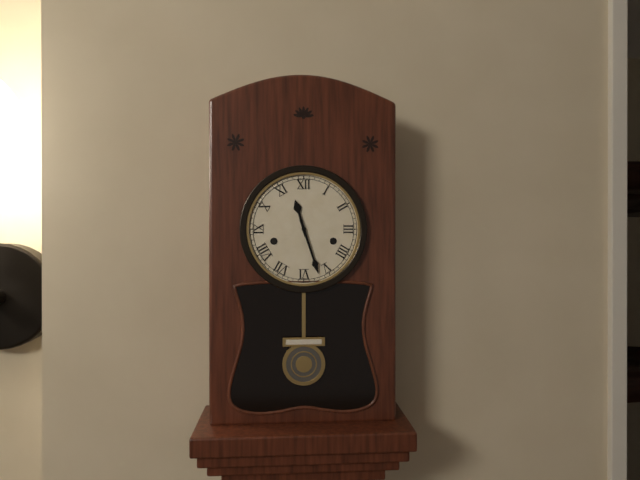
11:27
